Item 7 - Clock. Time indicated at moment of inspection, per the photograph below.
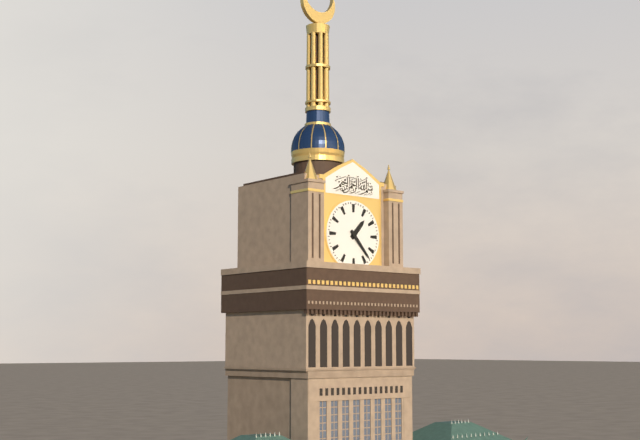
1:23
